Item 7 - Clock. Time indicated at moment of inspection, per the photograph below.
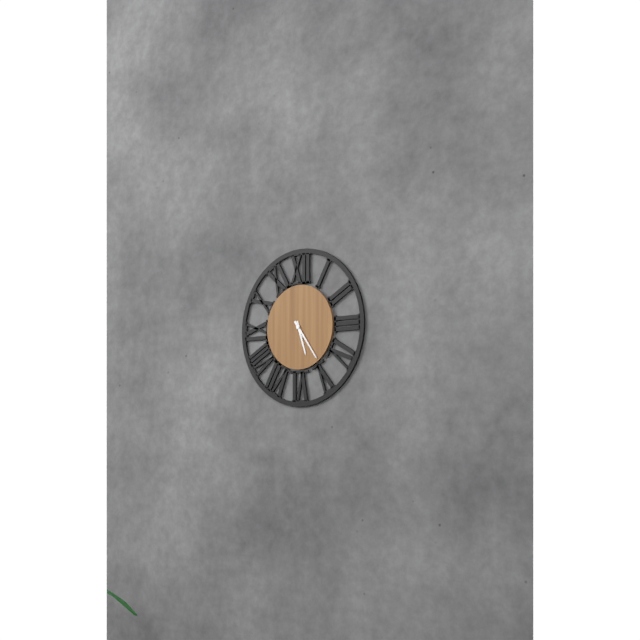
5:24
